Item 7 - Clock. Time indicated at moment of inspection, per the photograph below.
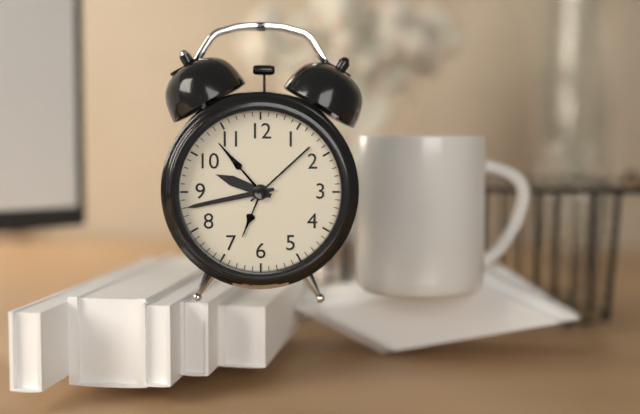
9:43
